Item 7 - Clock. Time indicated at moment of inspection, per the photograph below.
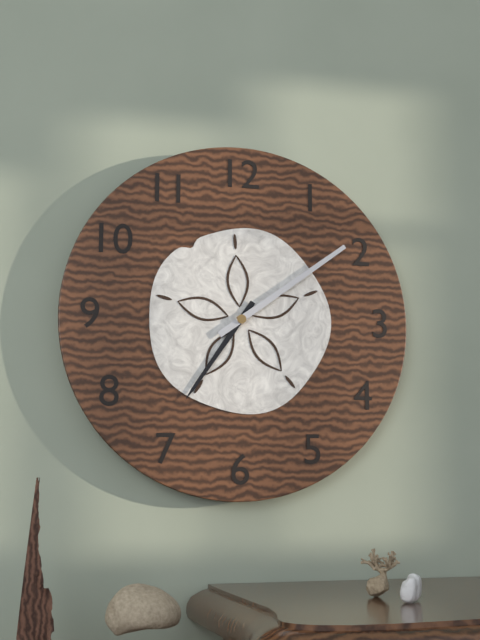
7:09
